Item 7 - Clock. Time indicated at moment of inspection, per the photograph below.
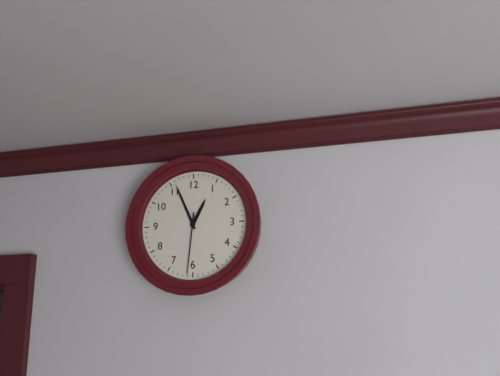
12:56:31
